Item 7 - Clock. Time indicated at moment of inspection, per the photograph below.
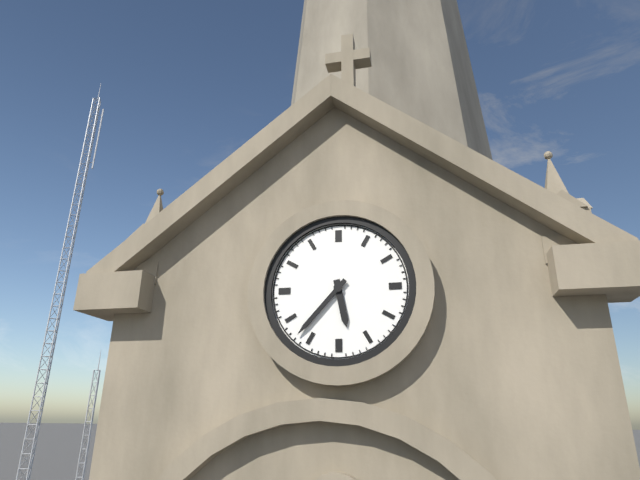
5:37
